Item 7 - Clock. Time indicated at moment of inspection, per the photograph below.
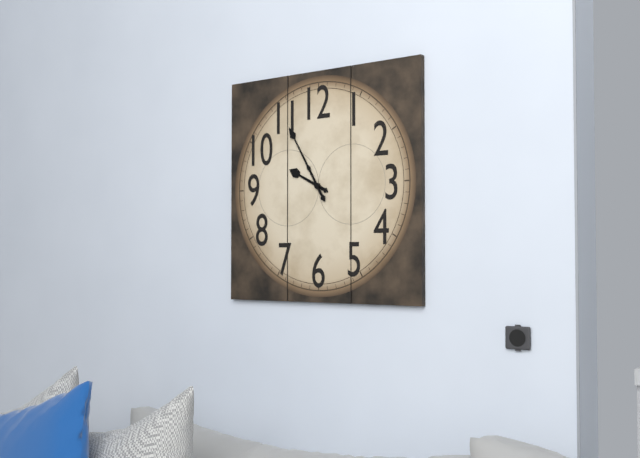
9:55
